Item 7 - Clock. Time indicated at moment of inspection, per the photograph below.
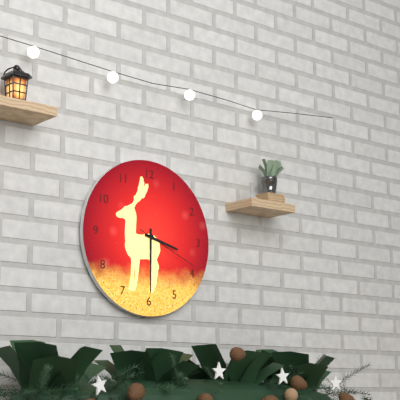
3:30:19
